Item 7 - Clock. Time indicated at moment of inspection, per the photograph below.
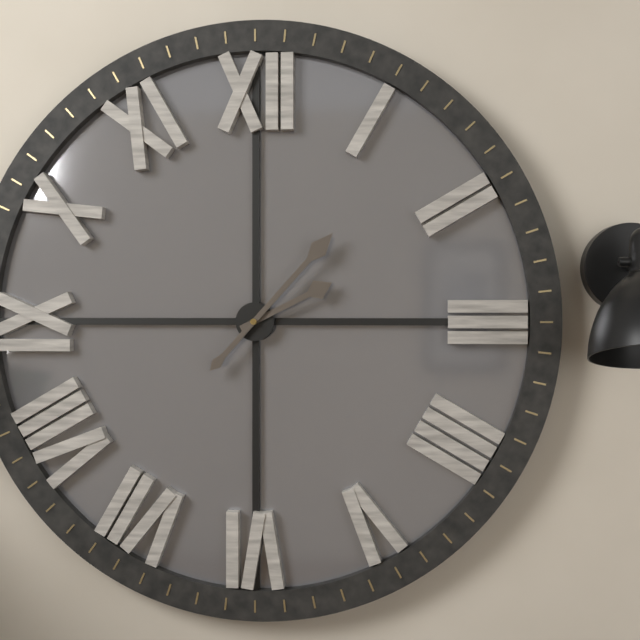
2:07
